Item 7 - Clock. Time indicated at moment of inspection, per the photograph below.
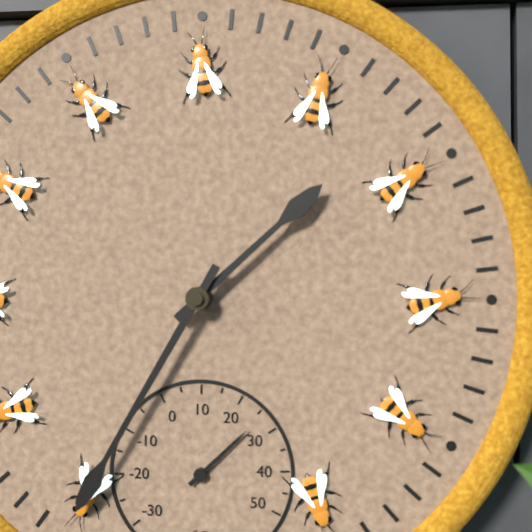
1:35
